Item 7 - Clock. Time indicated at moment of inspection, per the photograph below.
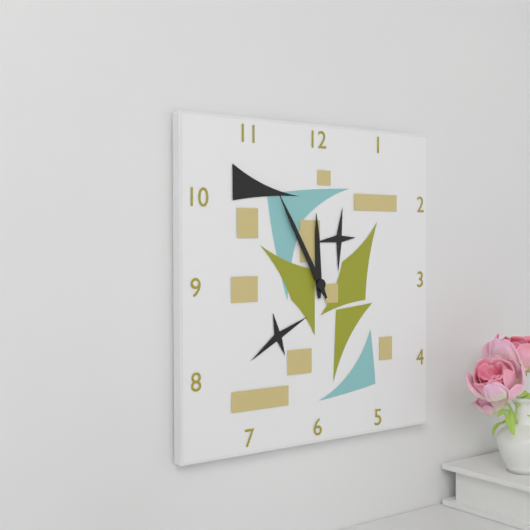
11:55
